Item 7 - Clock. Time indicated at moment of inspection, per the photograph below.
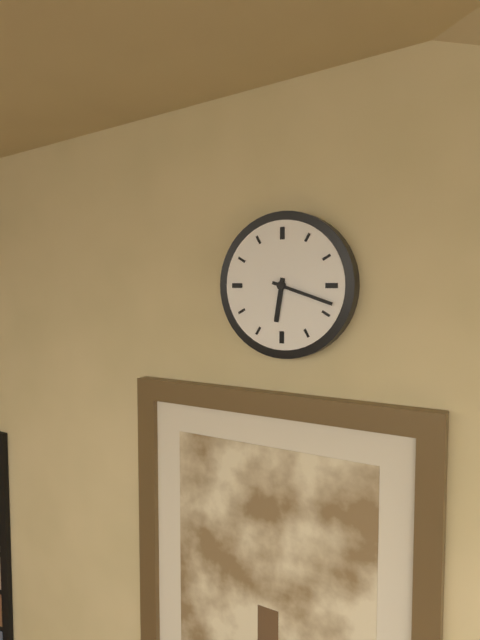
6:18
